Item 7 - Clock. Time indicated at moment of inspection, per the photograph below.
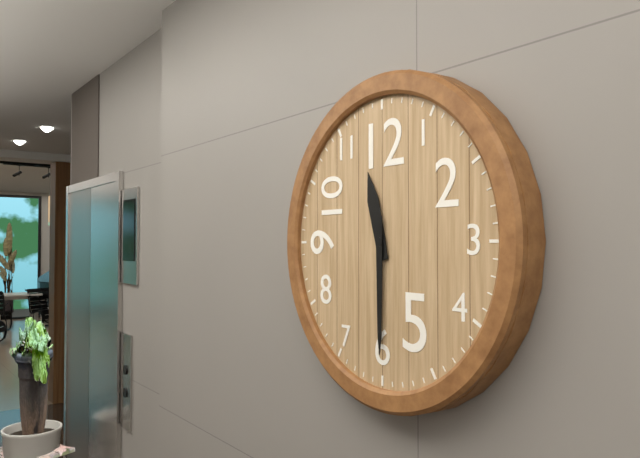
11:30
